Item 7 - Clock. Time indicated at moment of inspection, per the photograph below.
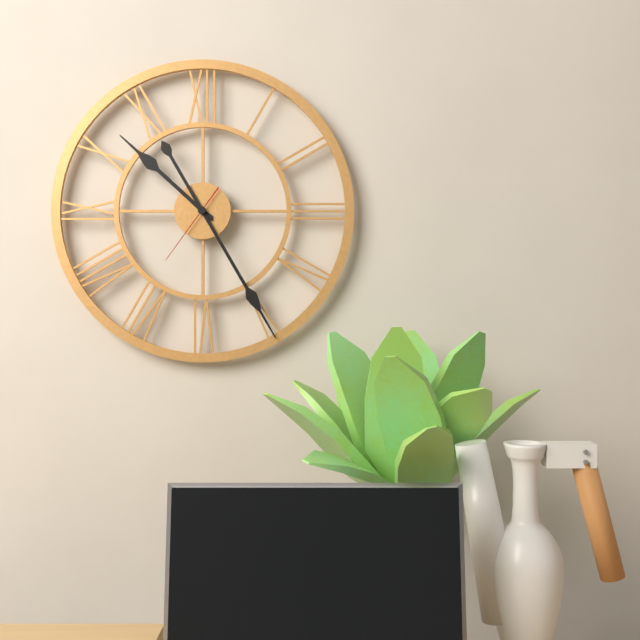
10:25:36
